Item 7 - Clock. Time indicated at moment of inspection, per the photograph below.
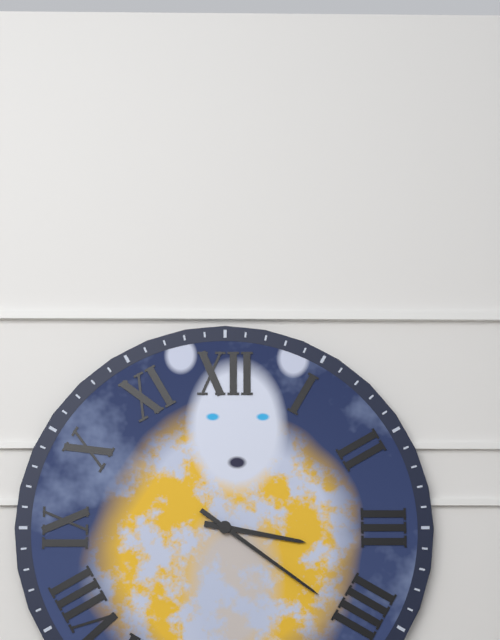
3:21
